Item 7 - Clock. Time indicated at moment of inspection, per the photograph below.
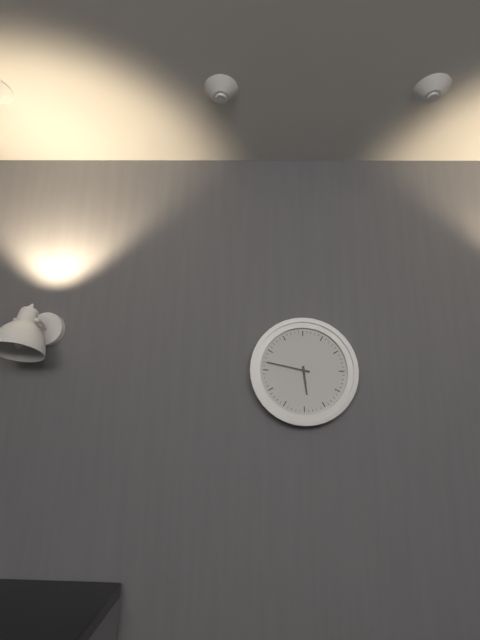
5:47
